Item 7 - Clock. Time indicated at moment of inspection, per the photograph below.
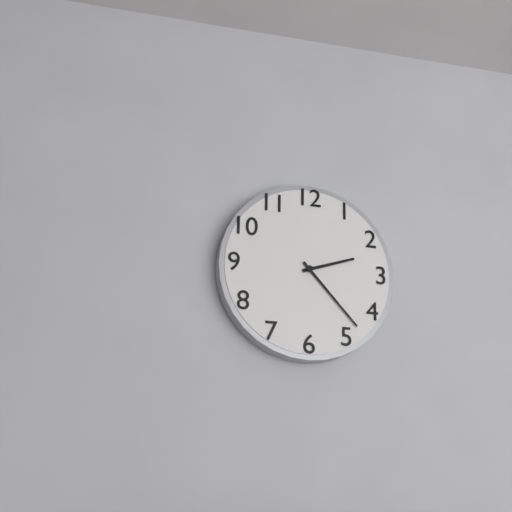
2:23
